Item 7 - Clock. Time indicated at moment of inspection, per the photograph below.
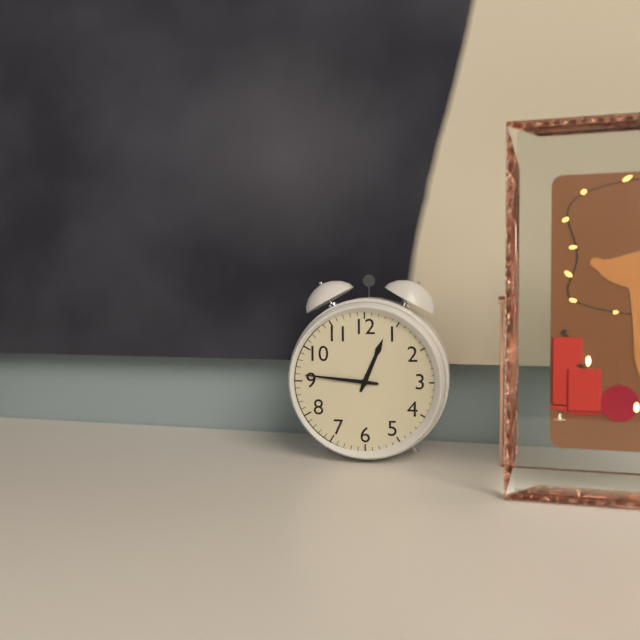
12:46
